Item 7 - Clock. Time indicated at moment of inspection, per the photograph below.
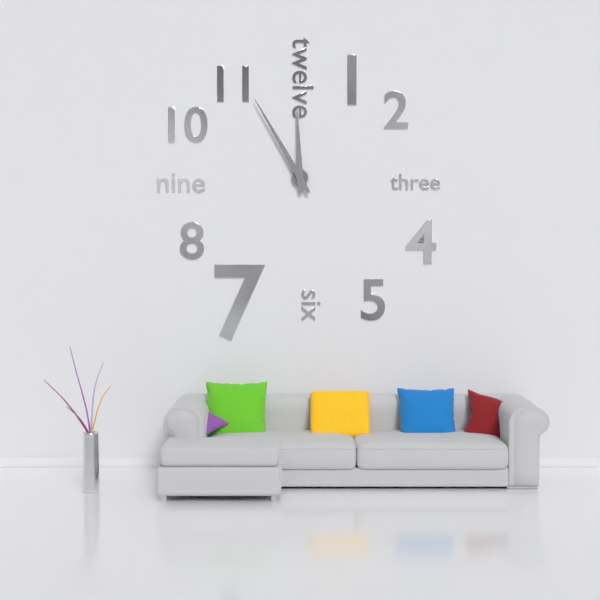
11:55
